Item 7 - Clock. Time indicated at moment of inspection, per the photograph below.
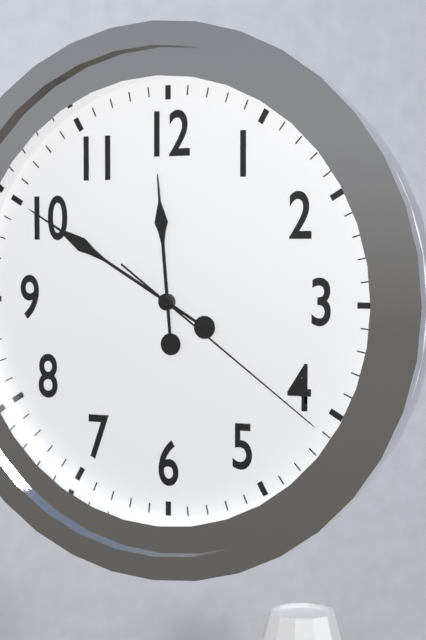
11:50:21
